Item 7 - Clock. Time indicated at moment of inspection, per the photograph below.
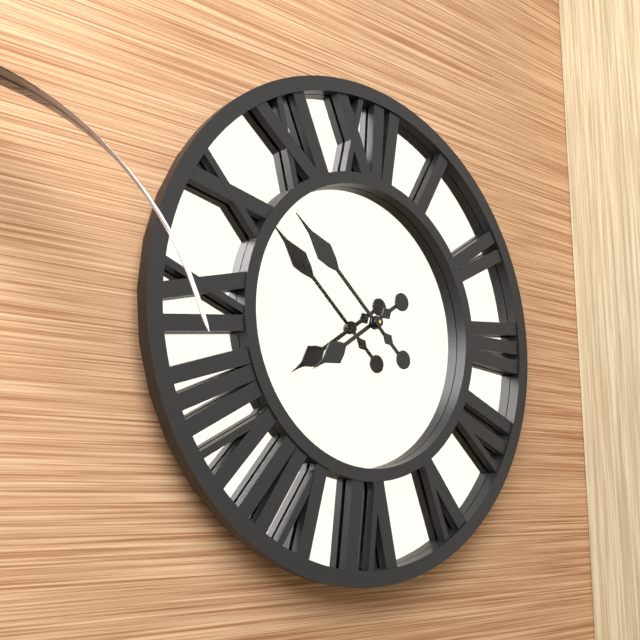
7:52
